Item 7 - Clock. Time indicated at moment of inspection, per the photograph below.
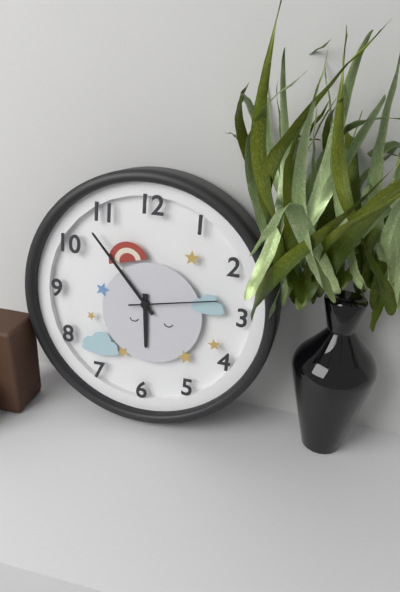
5:53:13
